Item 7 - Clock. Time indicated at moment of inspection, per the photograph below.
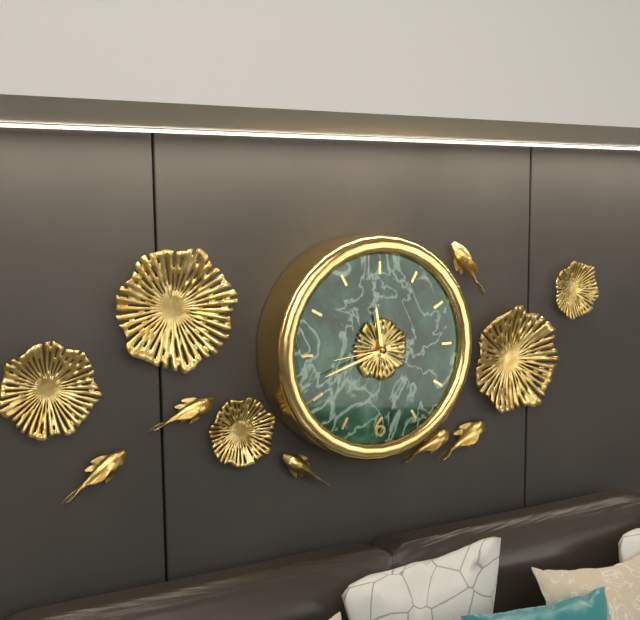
11:42:44
